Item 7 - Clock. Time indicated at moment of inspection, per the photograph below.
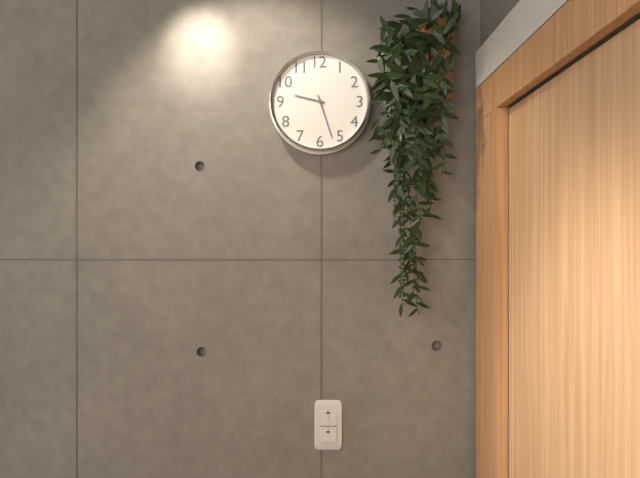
9:27
